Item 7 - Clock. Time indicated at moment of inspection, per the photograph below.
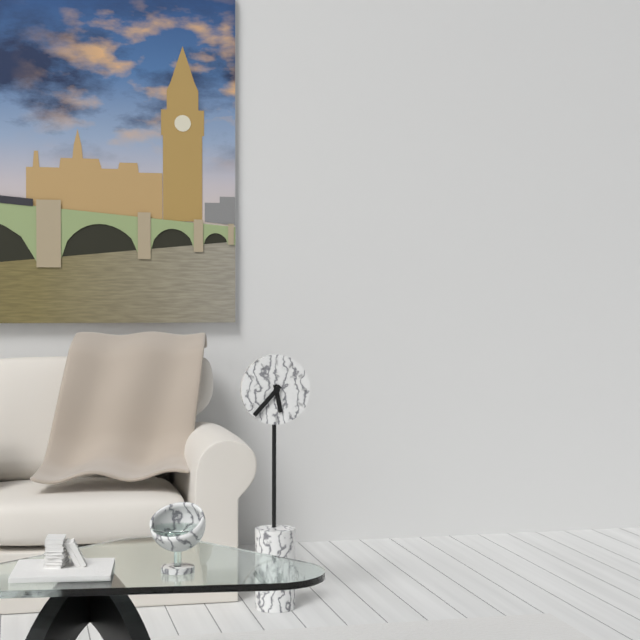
5:37
